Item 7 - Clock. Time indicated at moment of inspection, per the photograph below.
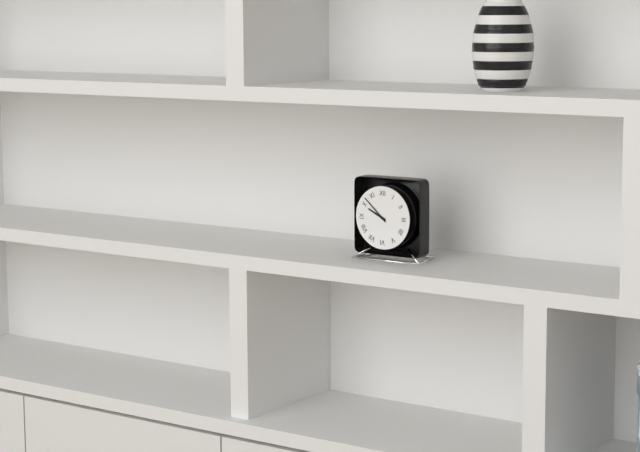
9:52
